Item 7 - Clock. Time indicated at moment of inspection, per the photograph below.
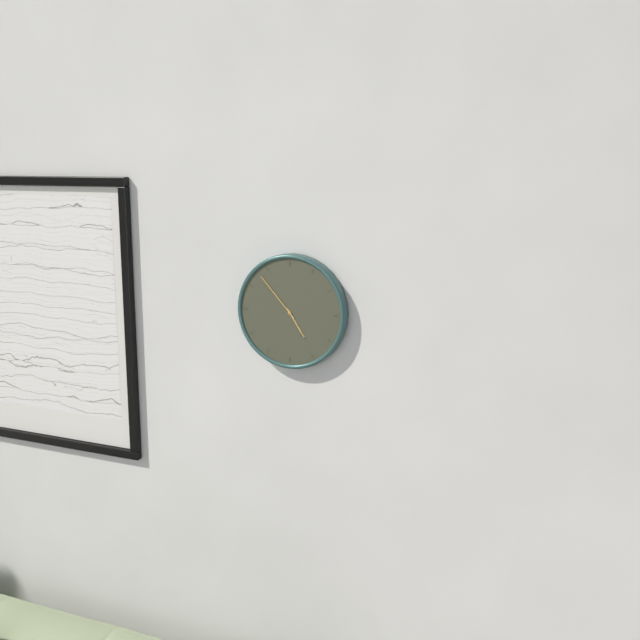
4:53
